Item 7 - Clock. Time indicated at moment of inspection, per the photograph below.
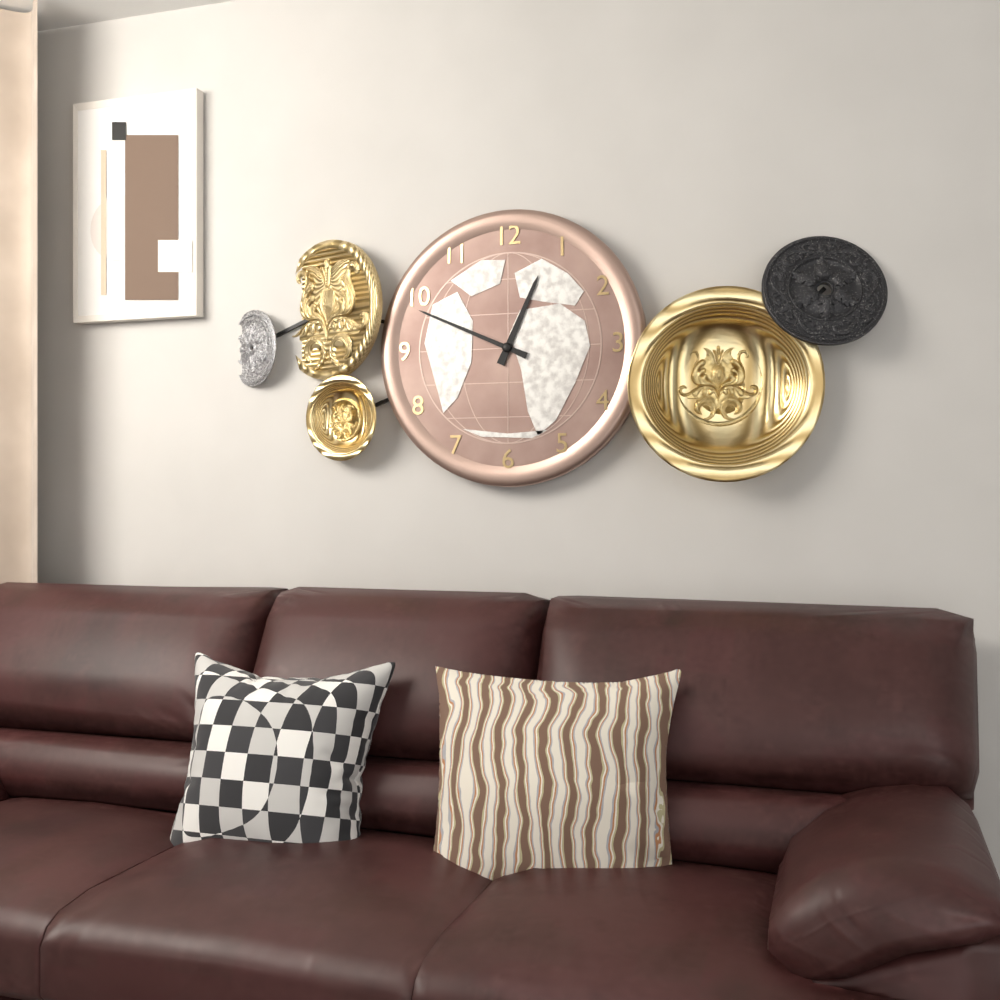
12:49
